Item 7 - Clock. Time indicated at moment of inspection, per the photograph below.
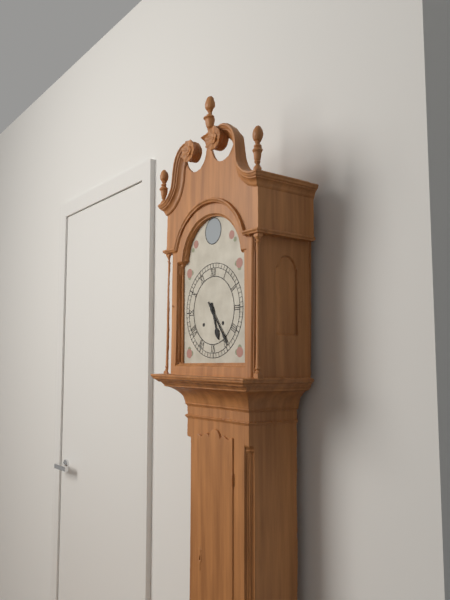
5:24
